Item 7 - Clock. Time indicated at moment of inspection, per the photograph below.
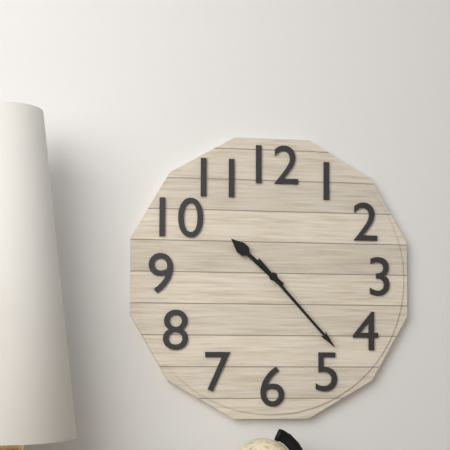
10:23
